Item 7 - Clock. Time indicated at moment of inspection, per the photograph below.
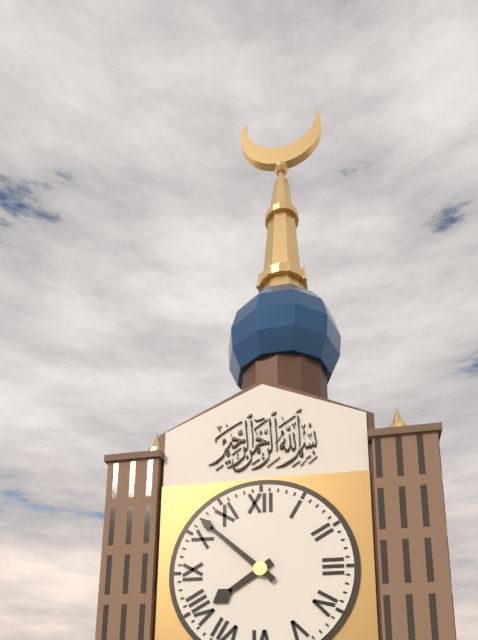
7:52
